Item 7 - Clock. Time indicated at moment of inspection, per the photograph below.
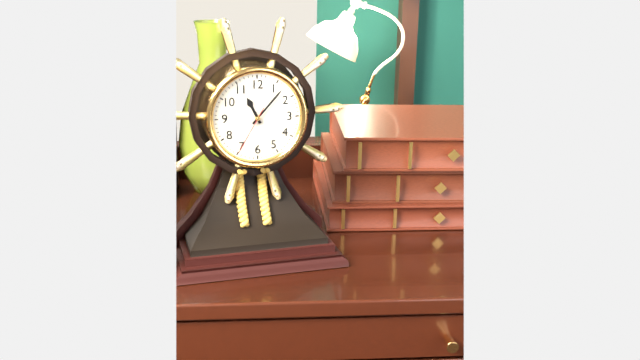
11:07:35
